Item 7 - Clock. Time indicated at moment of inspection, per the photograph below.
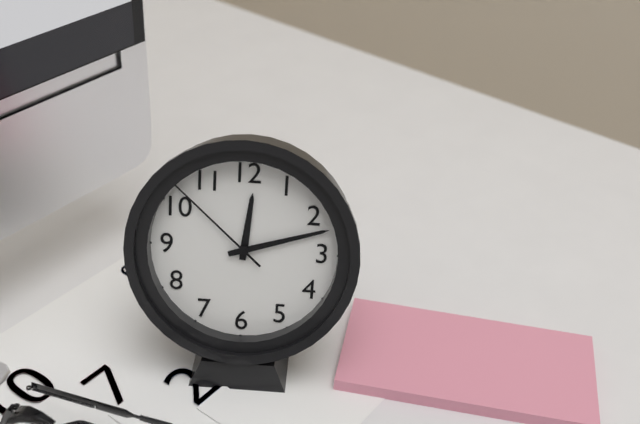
12:12:52
